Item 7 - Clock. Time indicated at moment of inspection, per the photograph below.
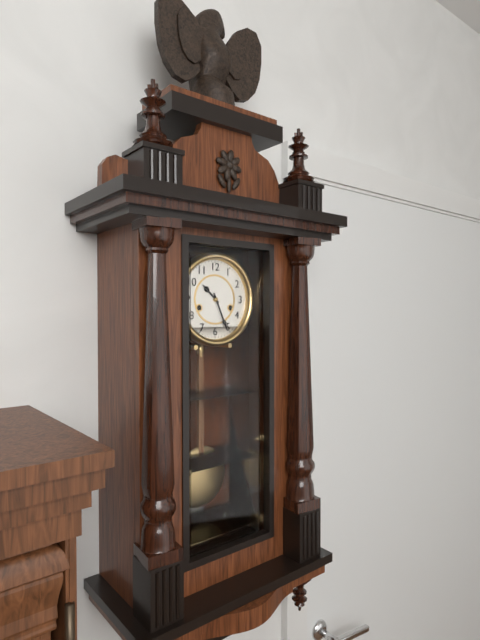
10:26
